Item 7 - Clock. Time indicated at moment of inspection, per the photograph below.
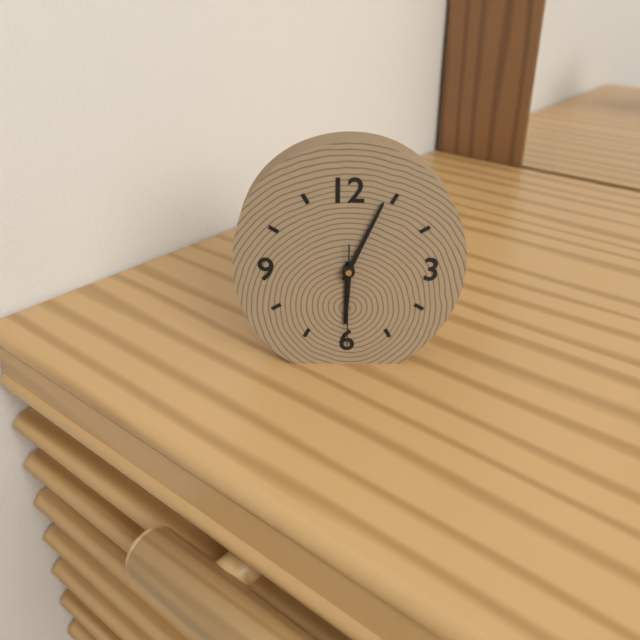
6:04:30
